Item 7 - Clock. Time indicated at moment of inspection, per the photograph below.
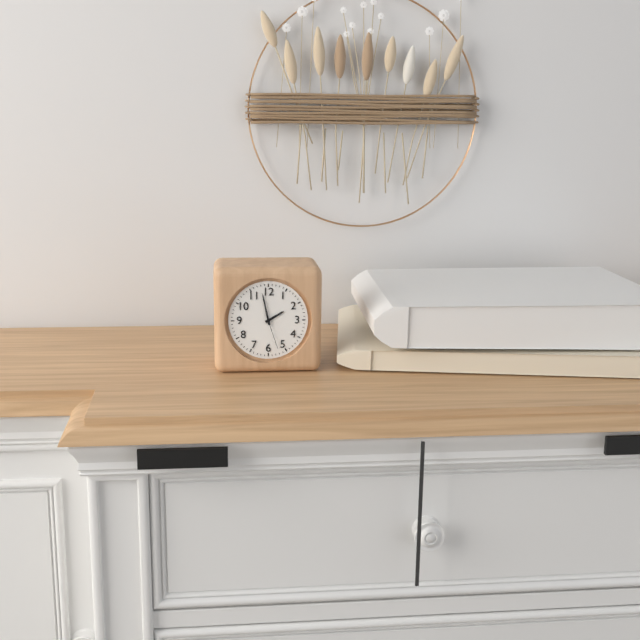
1:58
